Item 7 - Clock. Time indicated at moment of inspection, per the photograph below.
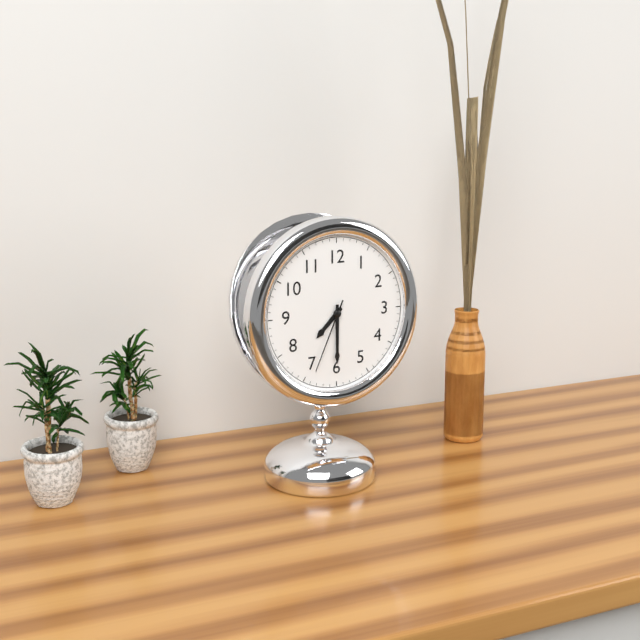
7:30:34
